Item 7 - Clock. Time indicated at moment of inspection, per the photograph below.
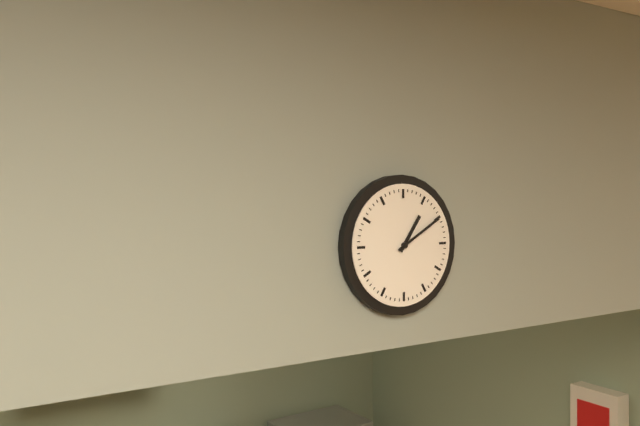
1:10
